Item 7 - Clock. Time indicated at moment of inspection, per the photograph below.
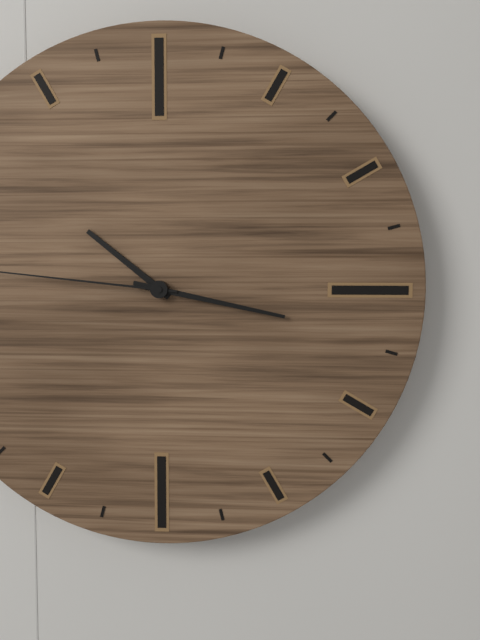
10:17
